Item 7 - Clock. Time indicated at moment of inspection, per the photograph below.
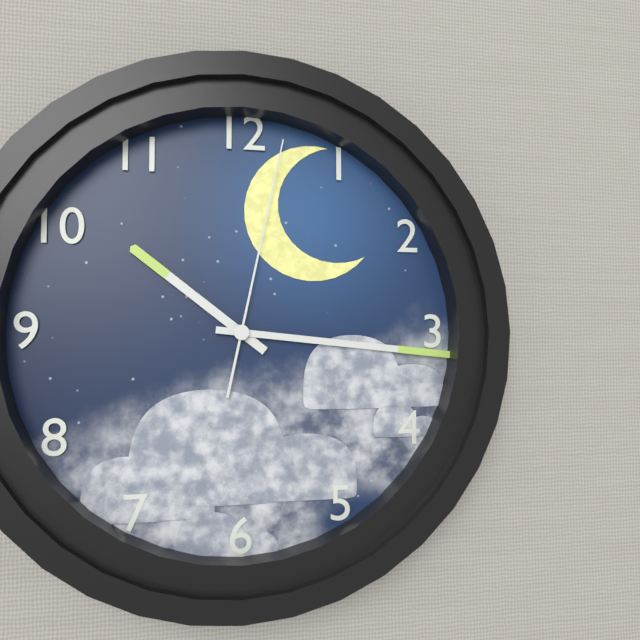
10:16:02
